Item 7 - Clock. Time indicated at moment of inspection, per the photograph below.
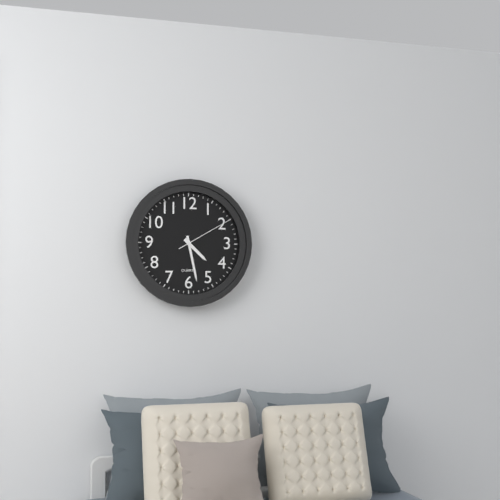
4:28:10
